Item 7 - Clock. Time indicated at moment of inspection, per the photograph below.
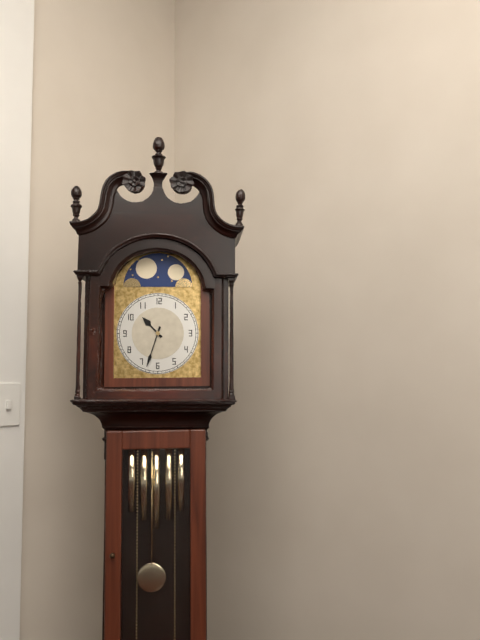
10:33
